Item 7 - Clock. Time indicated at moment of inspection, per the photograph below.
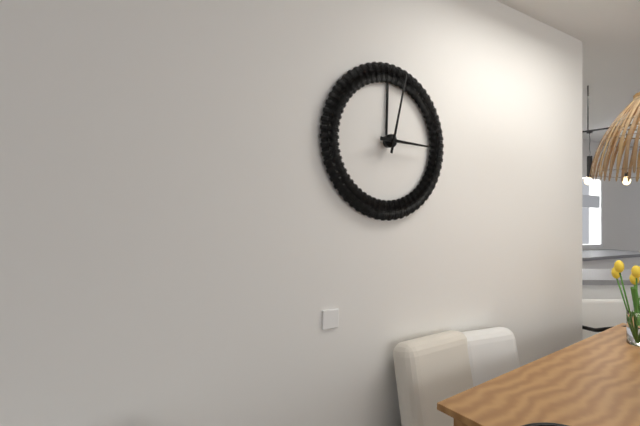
3:02
